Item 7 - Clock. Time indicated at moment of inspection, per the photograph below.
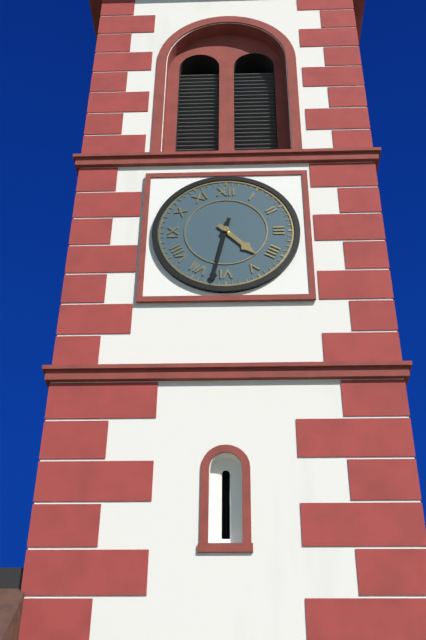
4:32
